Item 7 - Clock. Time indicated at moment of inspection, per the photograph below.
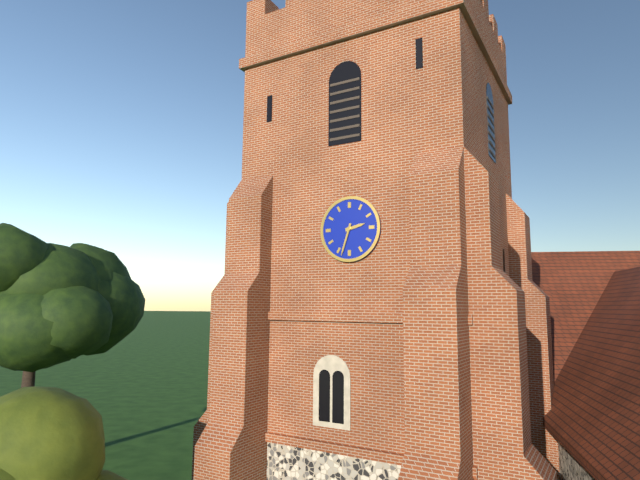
2:33
